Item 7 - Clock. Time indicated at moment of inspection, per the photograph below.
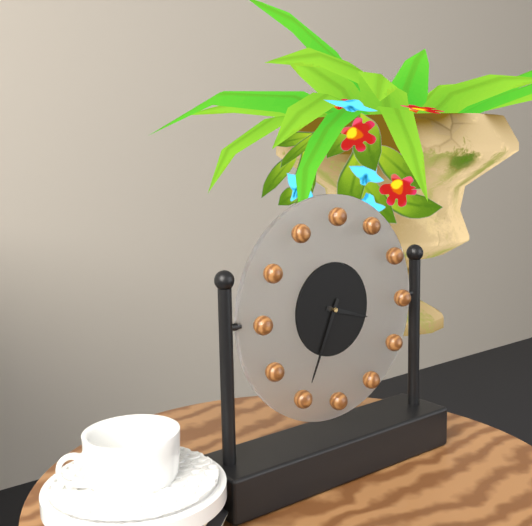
3:34
